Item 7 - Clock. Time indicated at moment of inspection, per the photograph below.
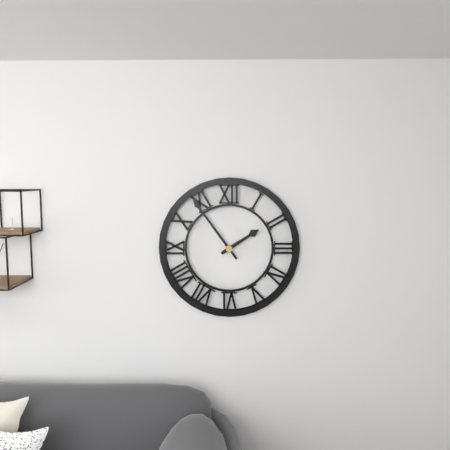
1:54
